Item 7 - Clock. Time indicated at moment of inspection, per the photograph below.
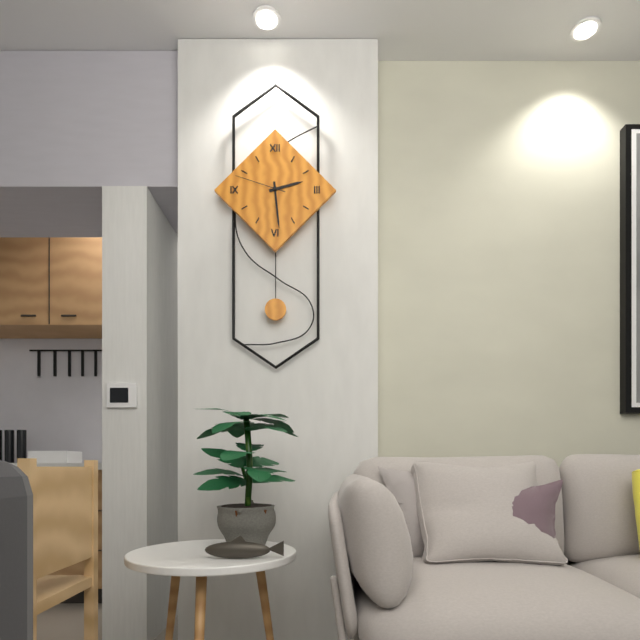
2:29:48
